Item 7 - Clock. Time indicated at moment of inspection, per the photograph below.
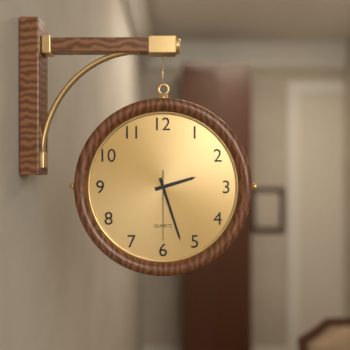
2:27:30
